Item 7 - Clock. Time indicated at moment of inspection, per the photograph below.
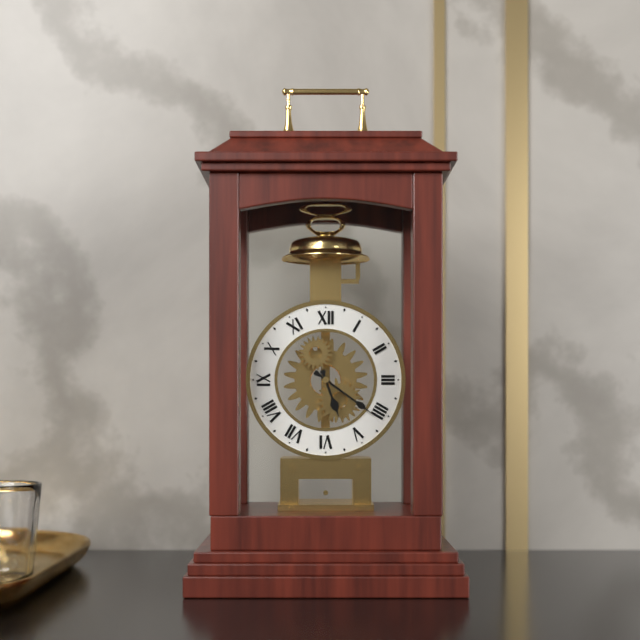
5:21
